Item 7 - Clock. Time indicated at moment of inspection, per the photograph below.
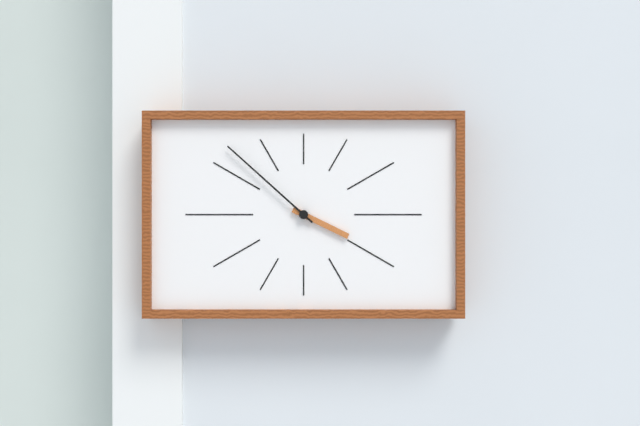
3:52
